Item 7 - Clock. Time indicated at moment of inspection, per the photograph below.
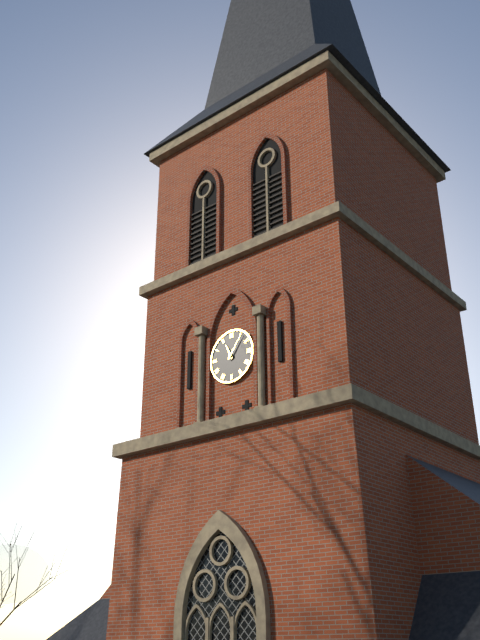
11:06
